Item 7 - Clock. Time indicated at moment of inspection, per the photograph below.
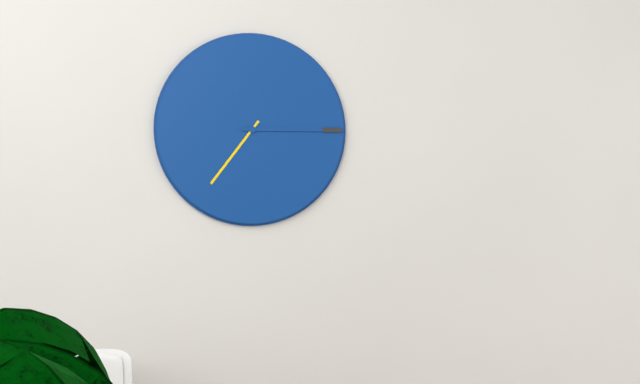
7:15
